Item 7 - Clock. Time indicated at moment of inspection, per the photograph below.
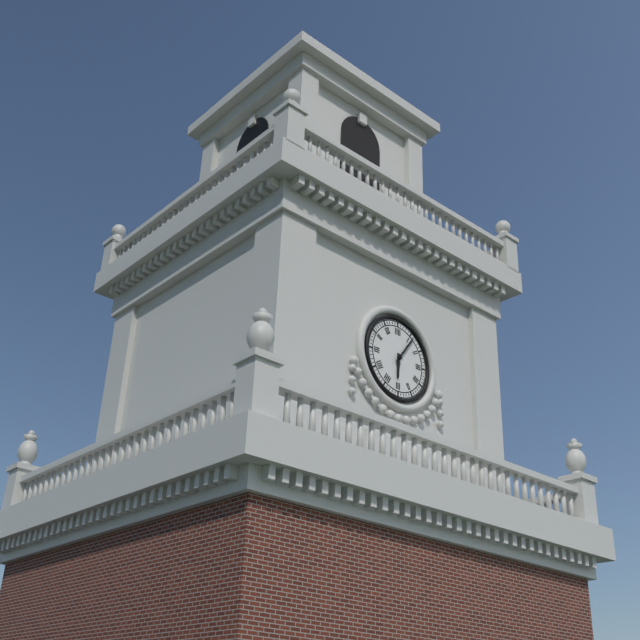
6:06
